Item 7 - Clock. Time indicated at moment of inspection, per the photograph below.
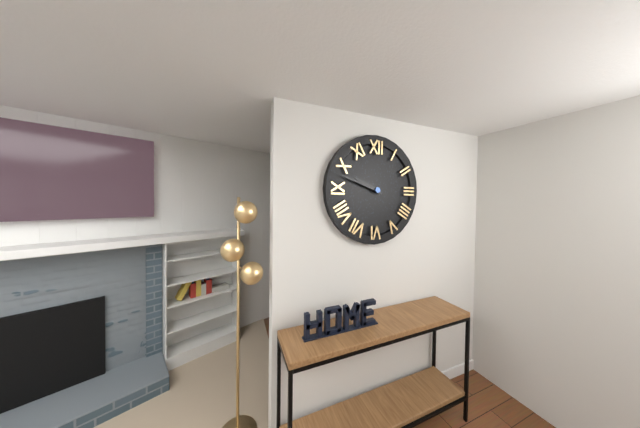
9:48
